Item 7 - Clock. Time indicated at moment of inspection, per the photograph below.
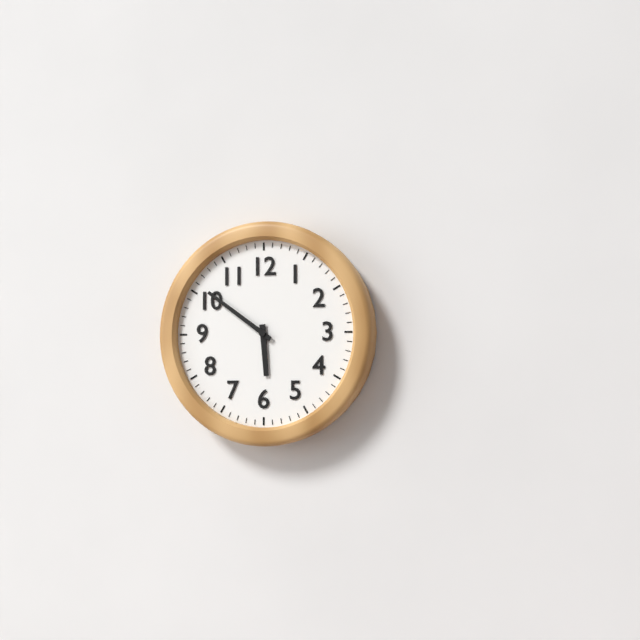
5:51
